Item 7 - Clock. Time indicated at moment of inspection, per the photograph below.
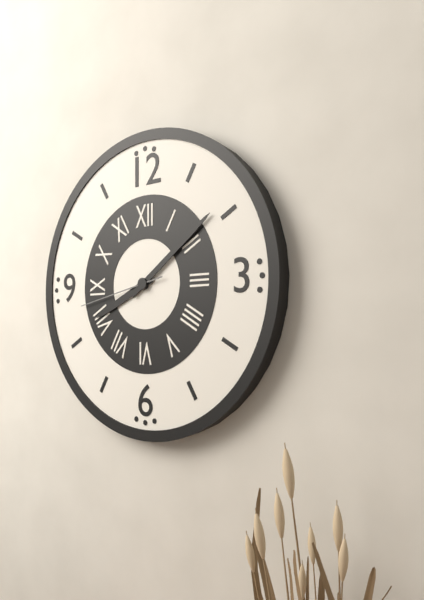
8:09:43
